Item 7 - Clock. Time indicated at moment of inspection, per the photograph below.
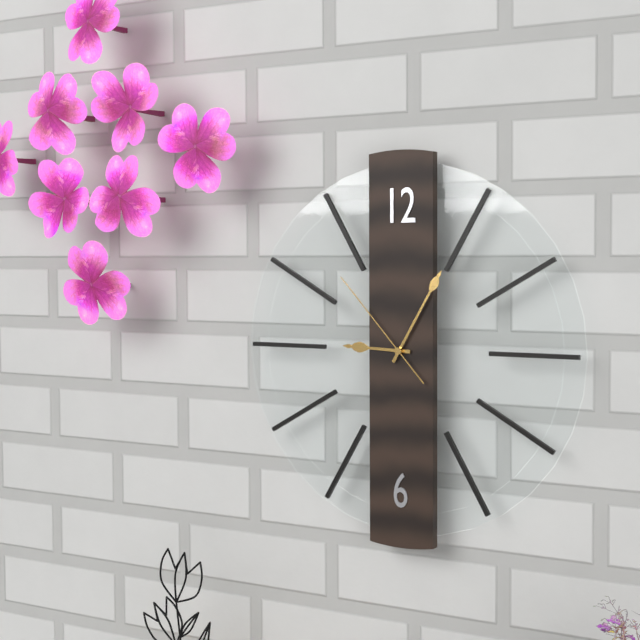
9:05:53
